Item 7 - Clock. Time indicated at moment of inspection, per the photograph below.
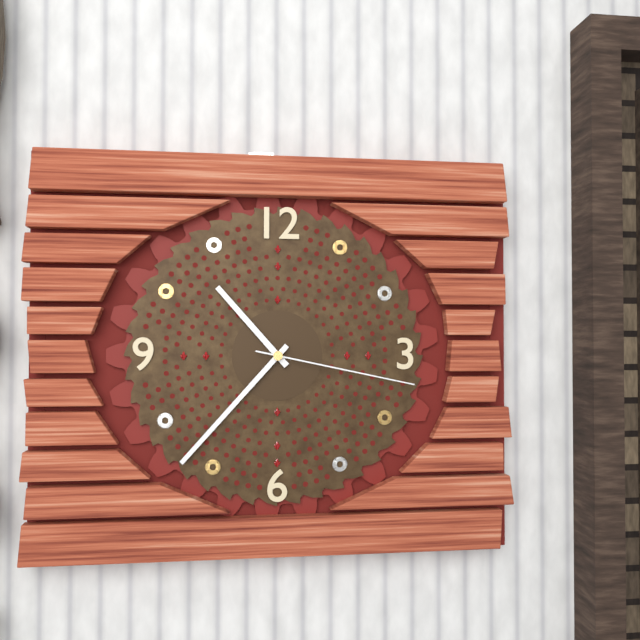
10:37:17
